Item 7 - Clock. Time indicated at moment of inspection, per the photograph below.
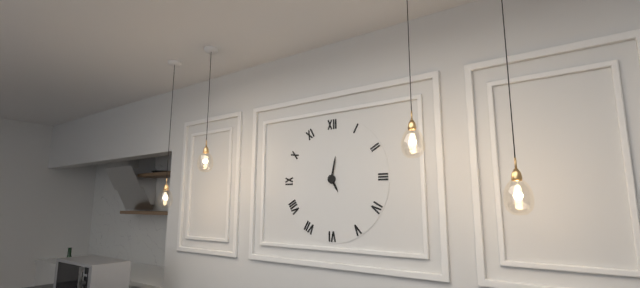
5:02
